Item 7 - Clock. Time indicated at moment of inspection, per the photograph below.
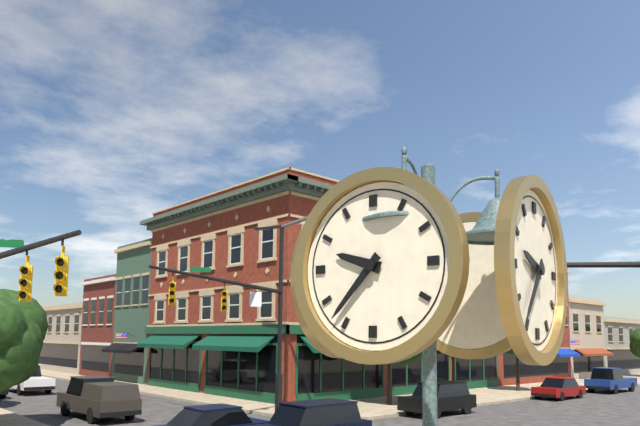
9:37
